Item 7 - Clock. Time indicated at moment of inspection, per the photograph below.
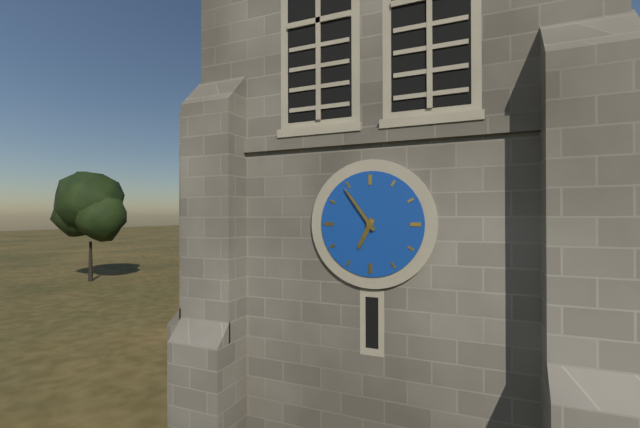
6:54
